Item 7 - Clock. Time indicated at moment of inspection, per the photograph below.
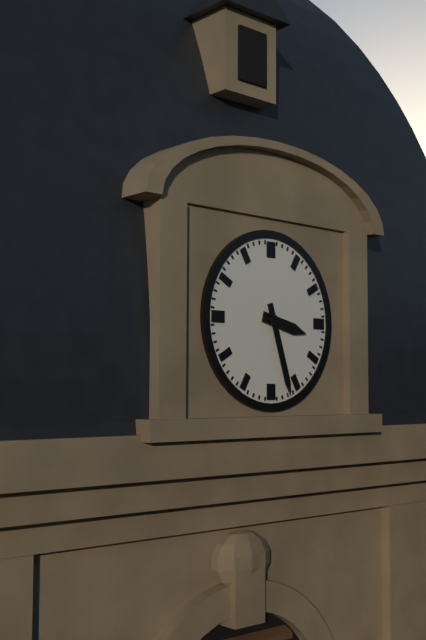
3:27
